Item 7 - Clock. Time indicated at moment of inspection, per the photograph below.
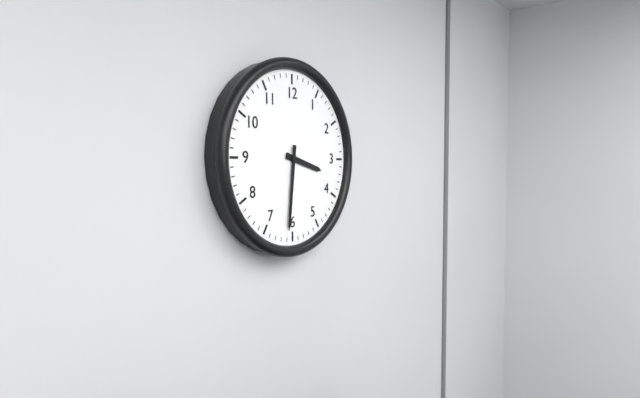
3:31
